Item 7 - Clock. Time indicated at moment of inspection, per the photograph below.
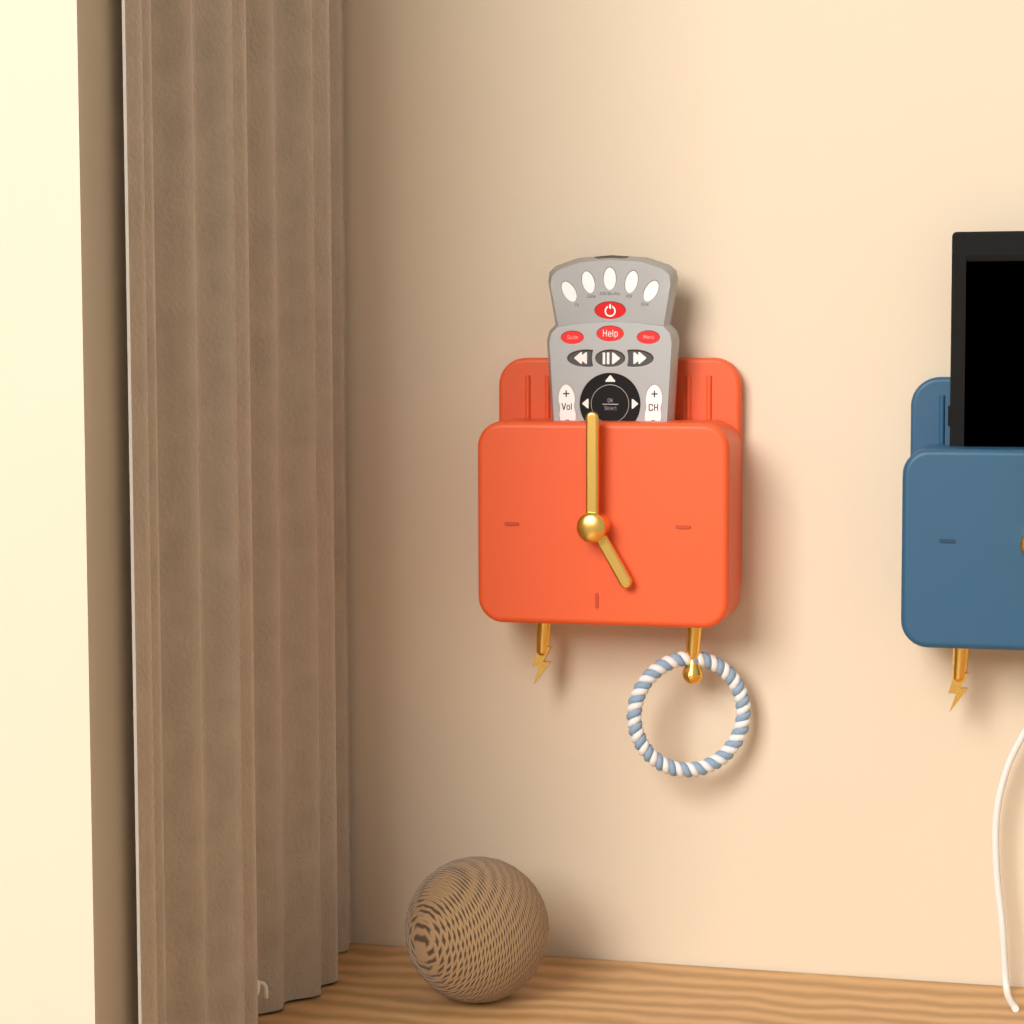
5:00
